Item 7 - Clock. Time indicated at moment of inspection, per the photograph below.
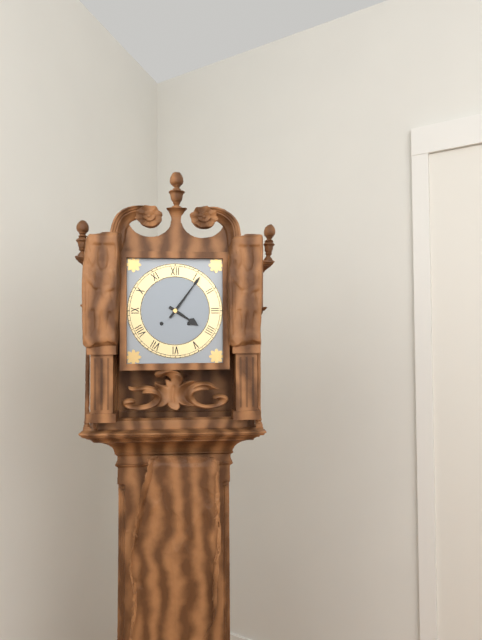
4:06
